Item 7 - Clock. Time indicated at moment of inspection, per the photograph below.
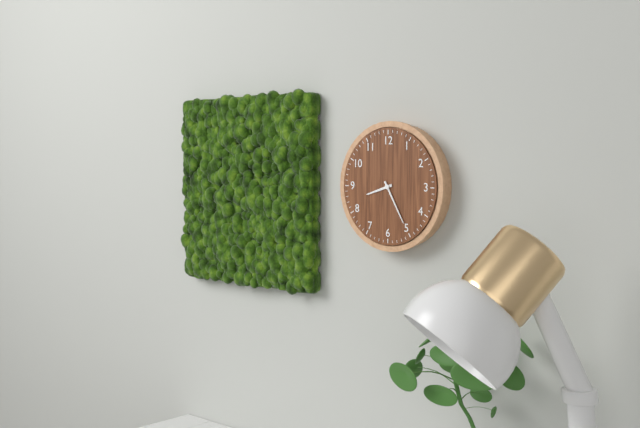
8:25
